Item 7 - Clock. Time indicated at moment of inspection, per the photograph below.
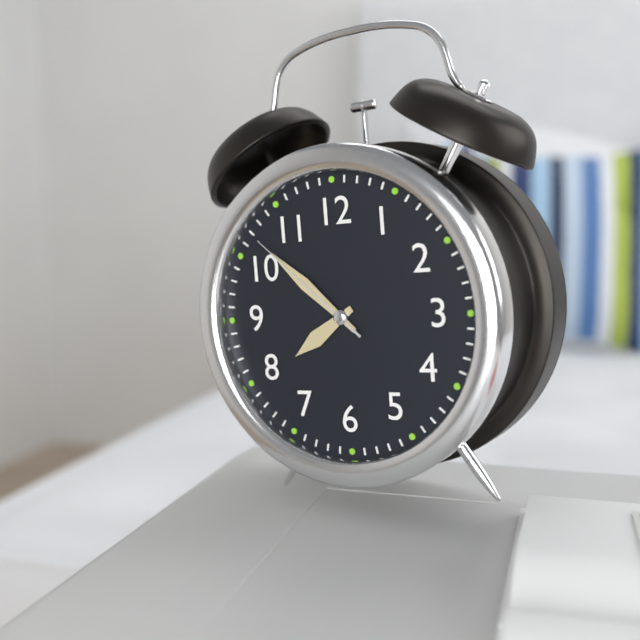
7:52:52
